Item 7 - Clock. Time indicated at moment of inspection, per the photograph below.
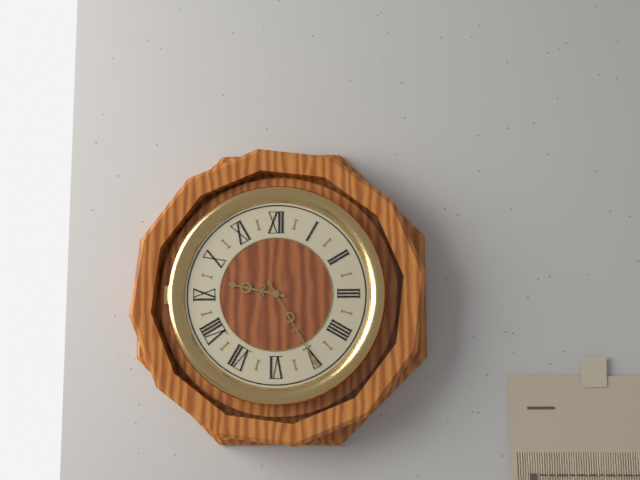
9:25
